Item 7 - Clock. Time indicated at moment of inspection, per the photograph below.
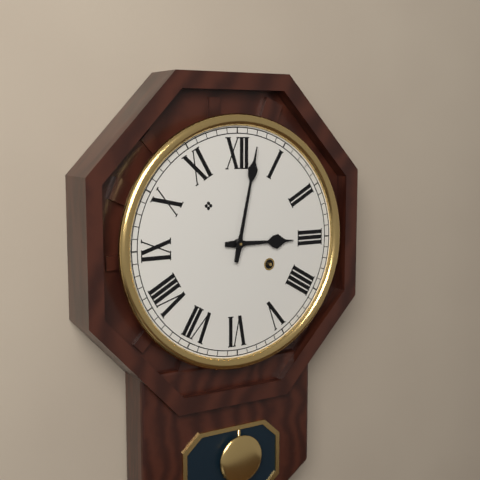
3:02
